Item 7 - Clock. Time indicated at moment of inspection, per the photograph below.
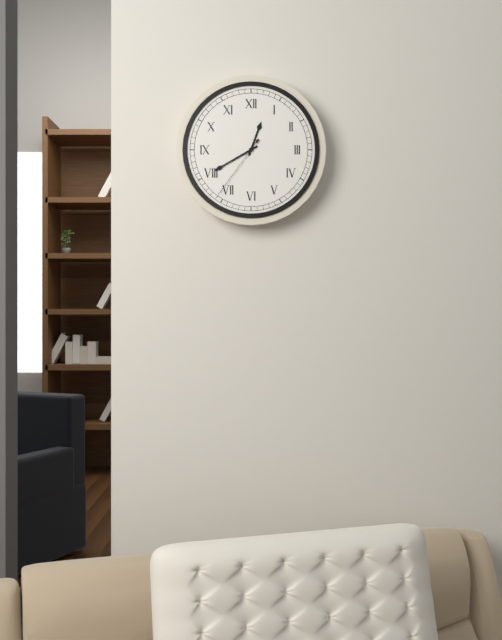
12:40:36
